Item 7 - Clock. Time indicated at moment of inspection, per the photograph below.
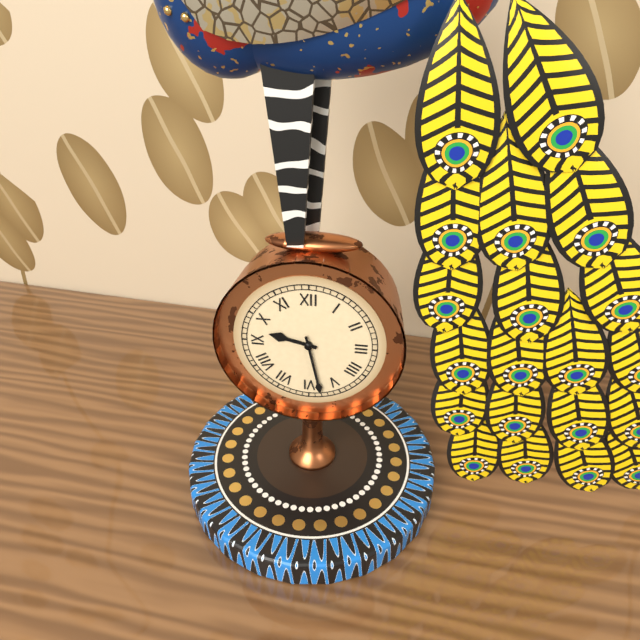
9:28
